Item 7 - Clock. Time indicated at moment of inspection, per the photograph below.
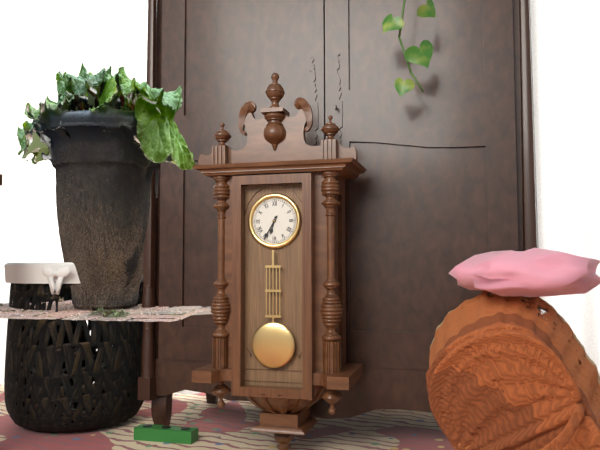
6:35
